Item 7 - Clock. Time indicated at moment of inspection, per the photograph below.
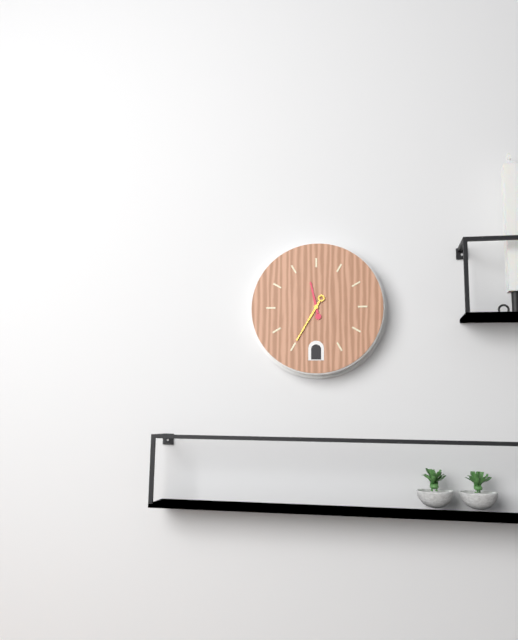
11:35
